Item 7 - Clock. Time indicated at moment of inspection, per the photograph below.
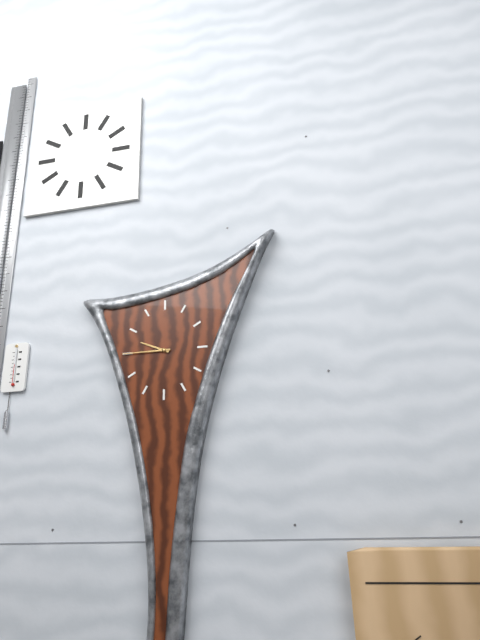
9:45
